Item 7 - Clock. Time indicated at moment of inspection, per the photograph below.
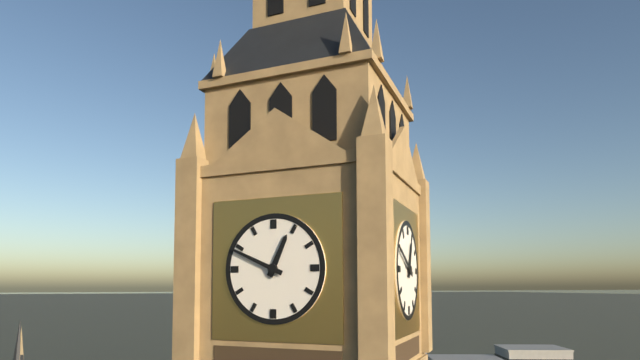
12:49
